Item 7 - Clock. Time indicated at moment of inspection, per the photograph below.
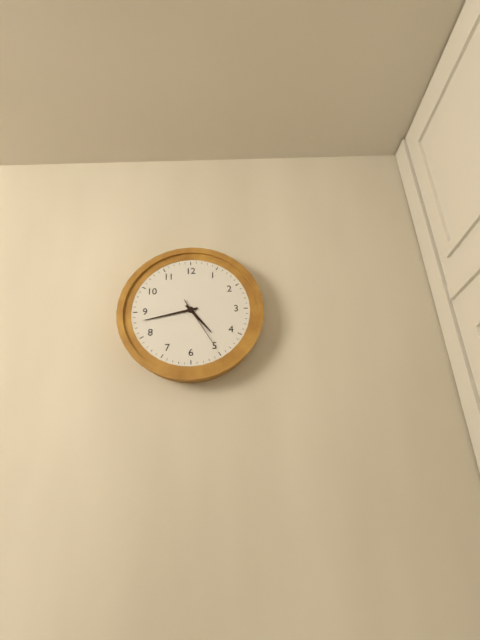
4:43:25
